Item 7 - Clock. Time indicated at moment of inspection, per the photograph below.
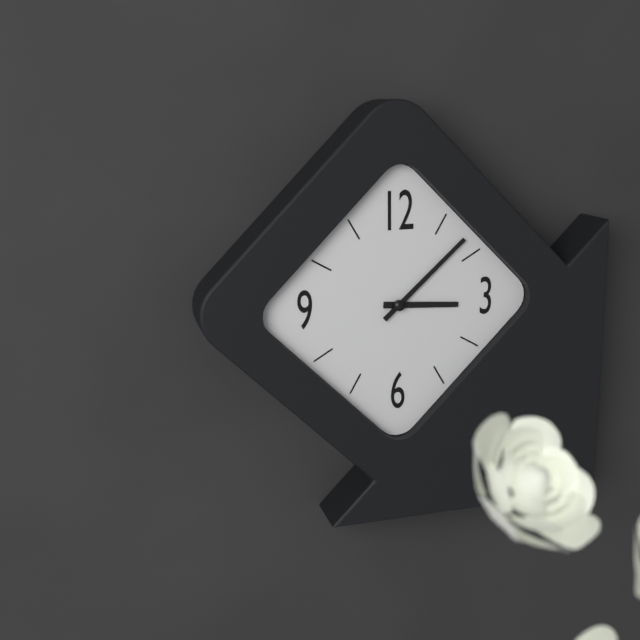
3:08
